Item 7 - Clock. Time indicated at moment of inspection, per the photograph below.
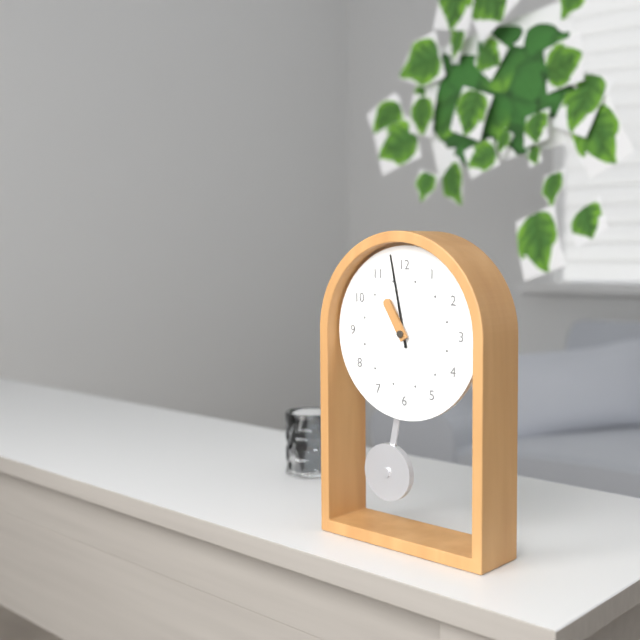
10:58
